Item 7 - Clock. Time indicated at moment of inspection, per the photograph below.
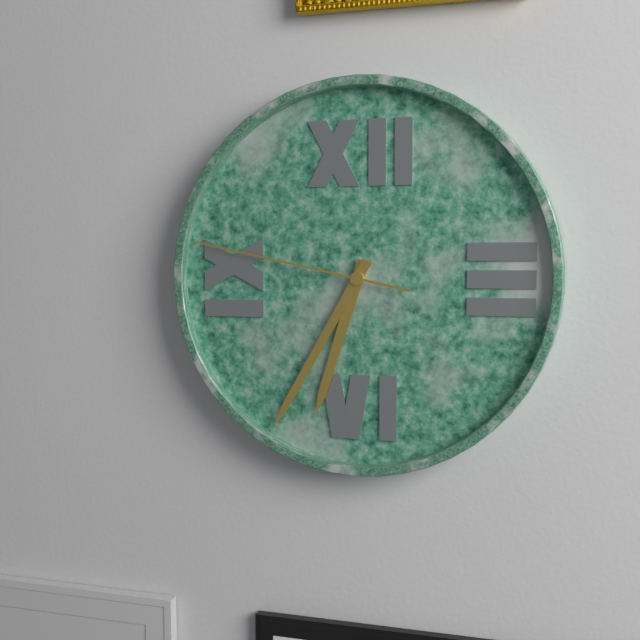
6:35:47
